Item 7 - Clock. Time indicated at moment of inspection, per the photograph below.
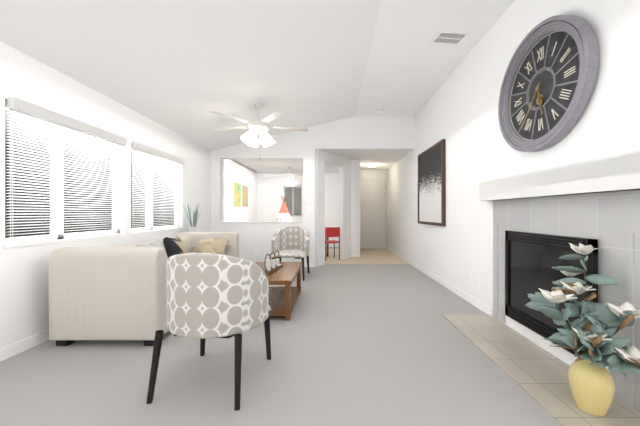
5:36
